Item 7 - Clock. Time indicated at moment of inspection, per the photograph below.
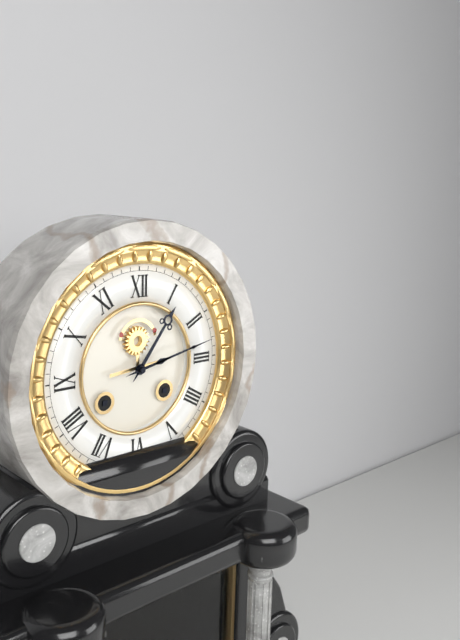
1:13
